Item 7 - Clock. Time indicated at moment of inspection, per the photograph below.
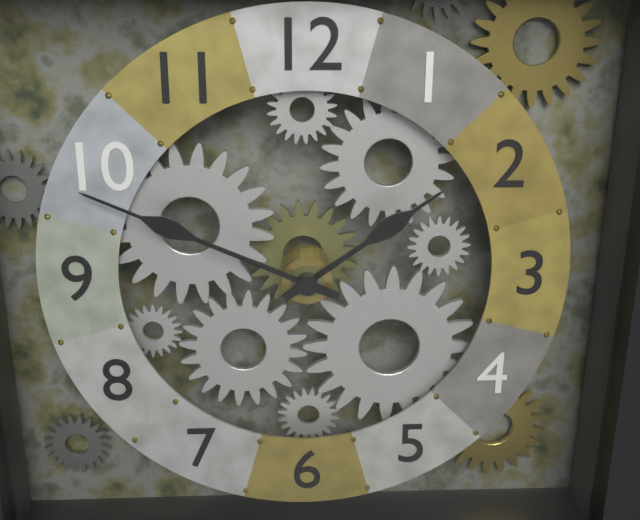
1:49
